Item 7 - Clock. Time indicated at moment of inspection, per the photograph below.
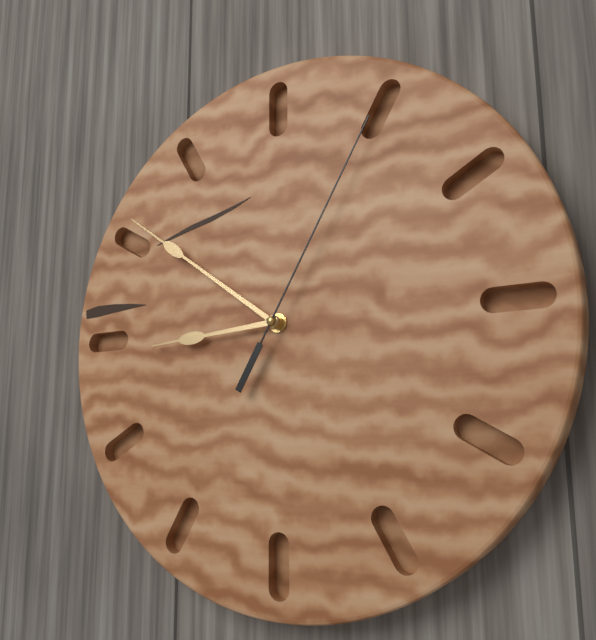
8:51:05
